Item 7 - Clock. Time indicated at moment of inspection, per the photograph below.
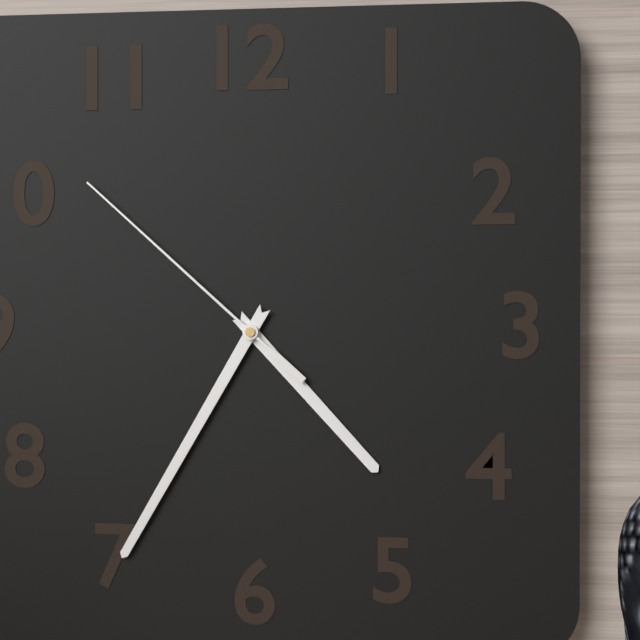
4:35:52
